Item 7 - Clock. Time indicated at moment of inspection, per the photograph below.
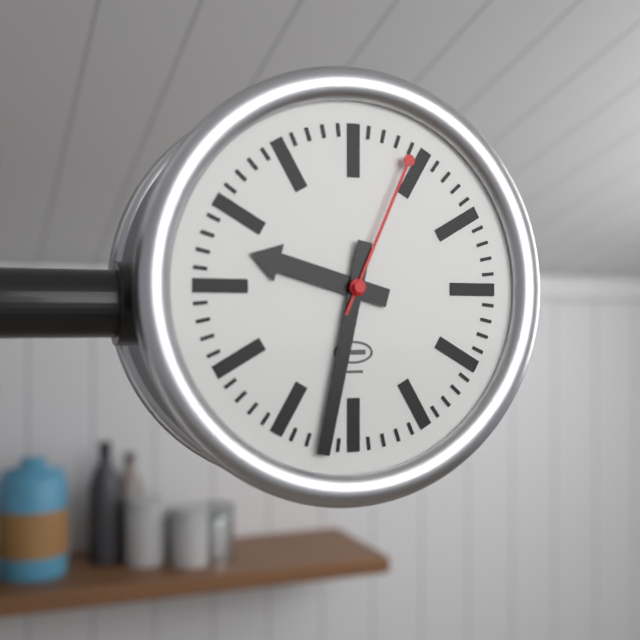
9:32:04
